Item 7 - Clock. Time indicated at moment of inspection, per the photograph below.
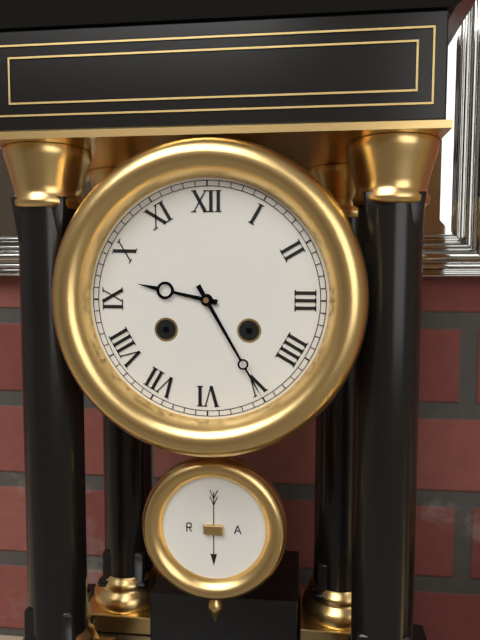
9:25
